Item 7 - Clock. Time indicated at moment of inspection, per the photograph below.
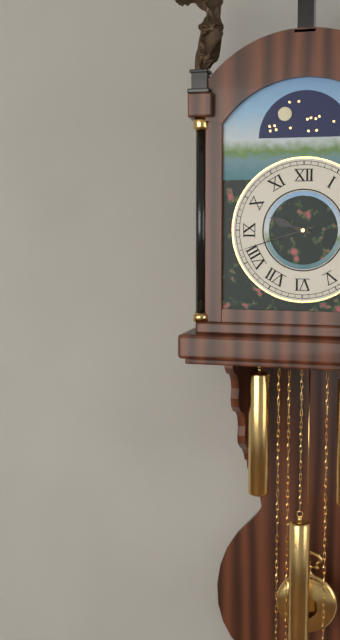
9:42
